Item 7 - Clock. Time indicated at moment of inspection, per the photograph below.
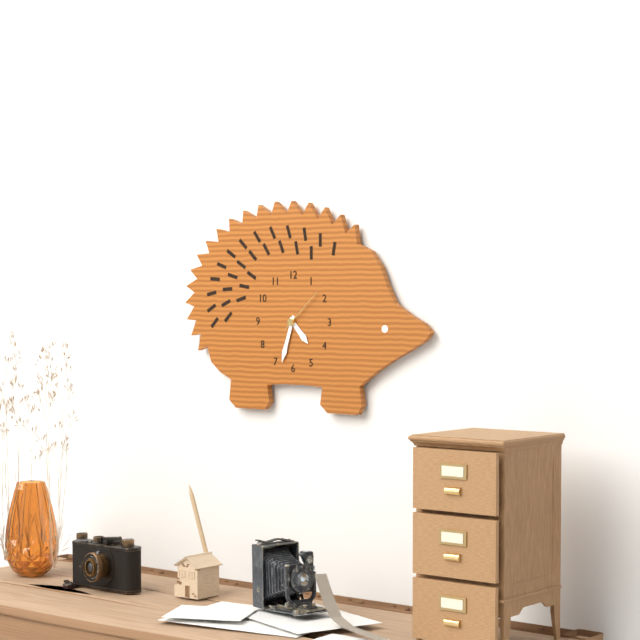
4:33
